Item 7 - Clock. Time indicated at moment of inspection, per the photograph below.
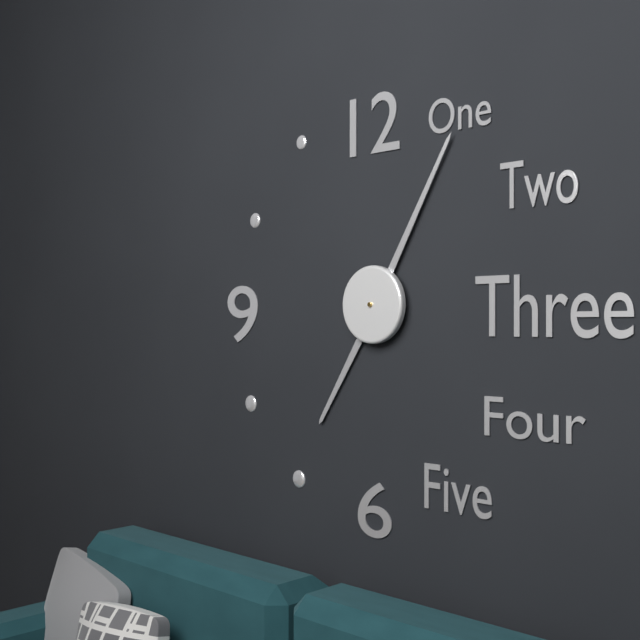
7:05
